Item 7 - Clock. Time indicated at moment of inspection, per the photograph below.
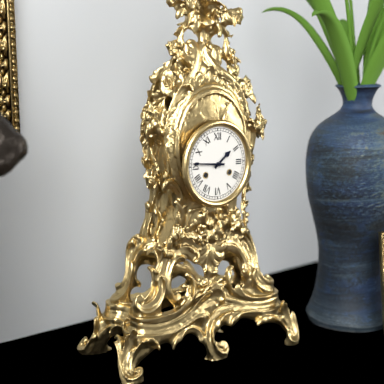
1:46
